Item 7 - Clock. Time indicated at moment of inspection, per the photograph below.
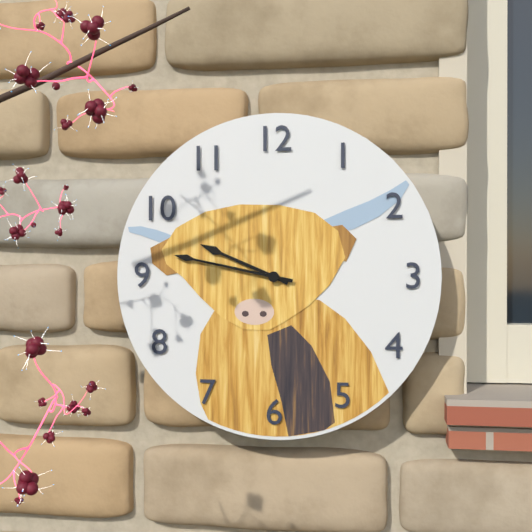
9:47
